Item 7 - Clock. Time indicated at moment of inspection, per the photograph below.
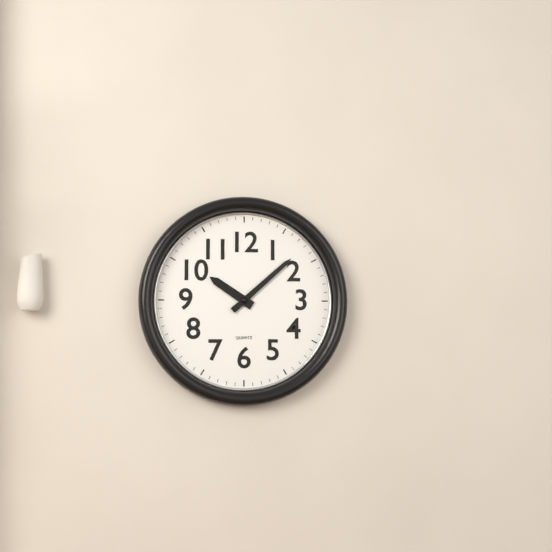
10:08
